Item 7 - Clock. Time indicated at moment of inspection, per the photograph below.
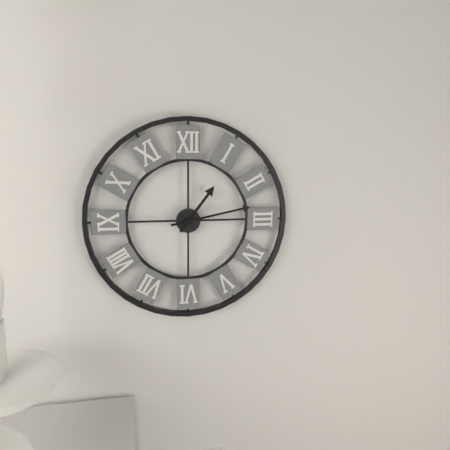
1:13
